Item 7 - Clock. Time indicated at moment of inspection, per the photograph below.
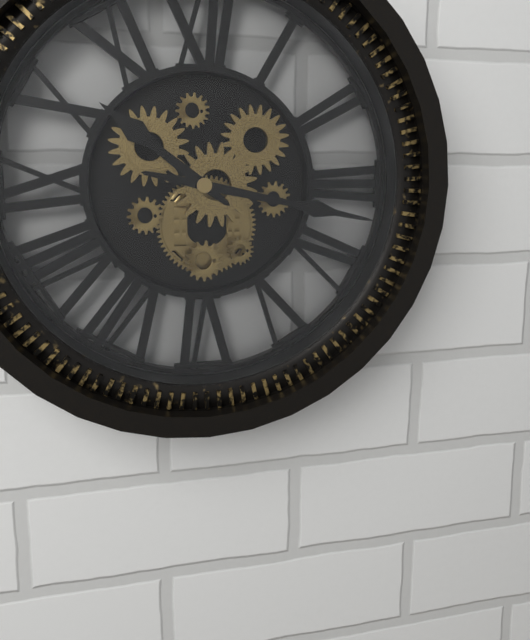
10:17
